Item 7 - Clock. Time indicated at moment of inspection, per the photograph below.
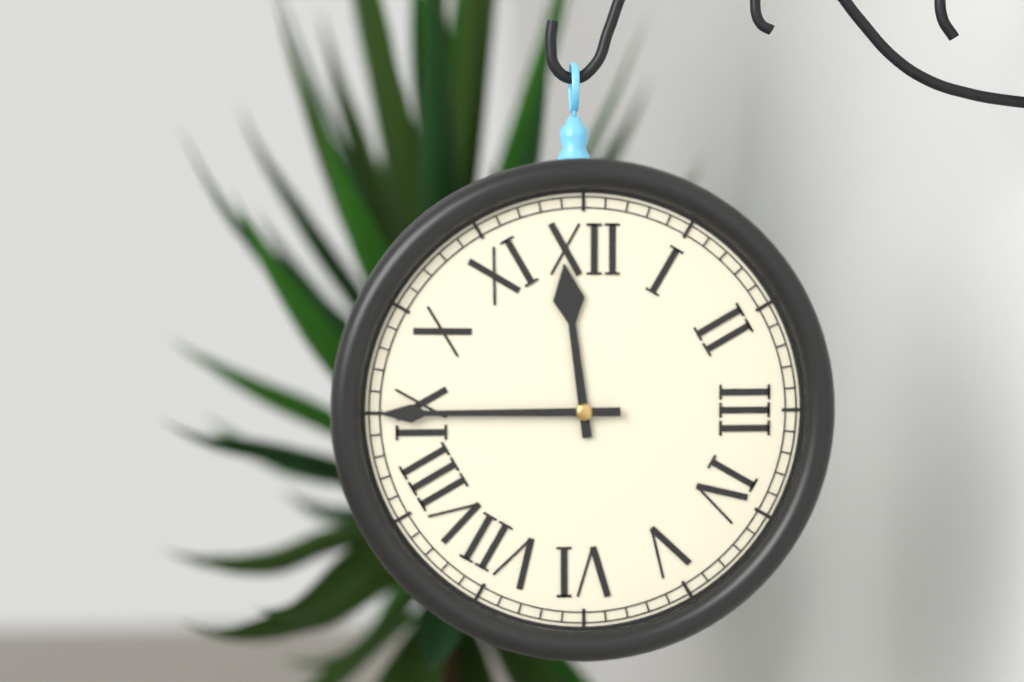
11:45
